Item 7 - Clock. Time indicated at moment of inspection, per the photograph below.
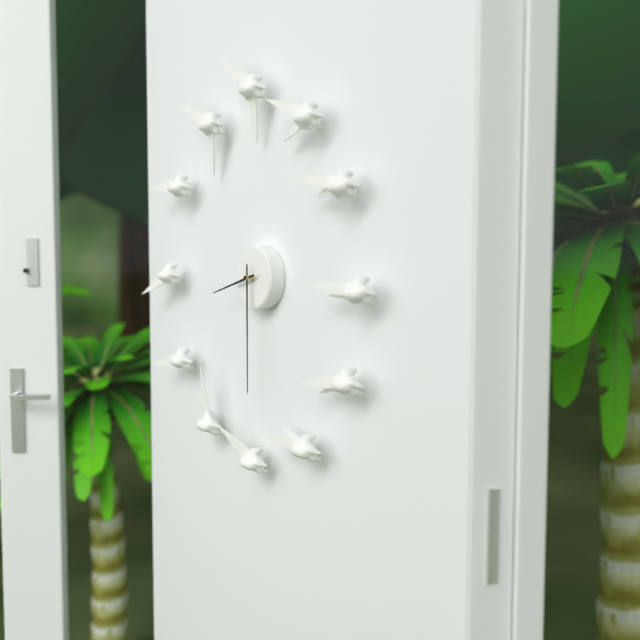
8:30
